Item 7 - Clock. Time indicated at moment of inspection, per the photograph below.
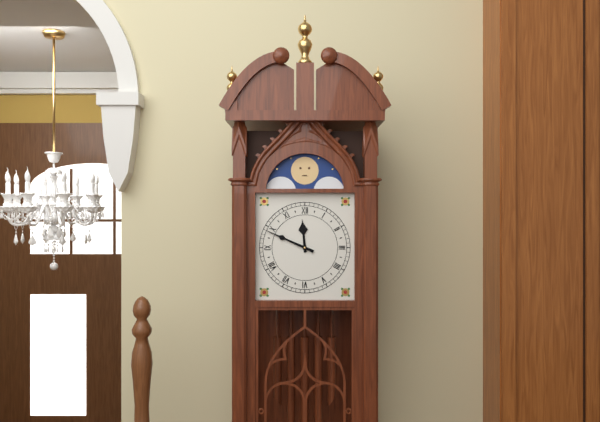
11:49
